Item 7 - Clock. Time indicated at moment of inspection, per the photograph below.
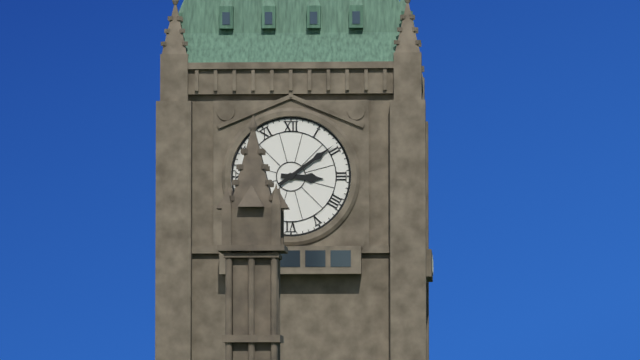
3:09
